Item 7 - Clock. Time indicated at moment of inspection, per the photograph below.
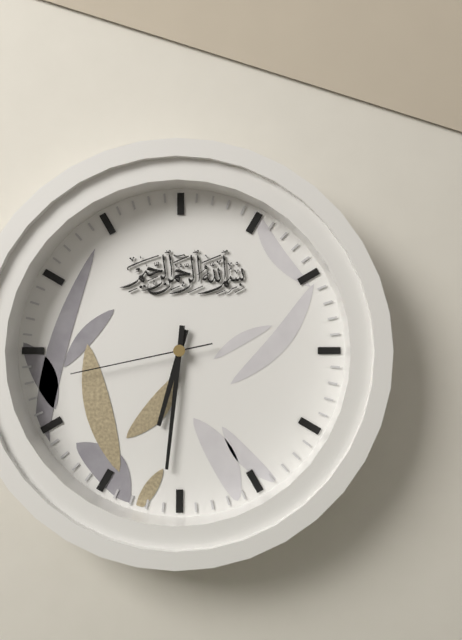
6:31:43
